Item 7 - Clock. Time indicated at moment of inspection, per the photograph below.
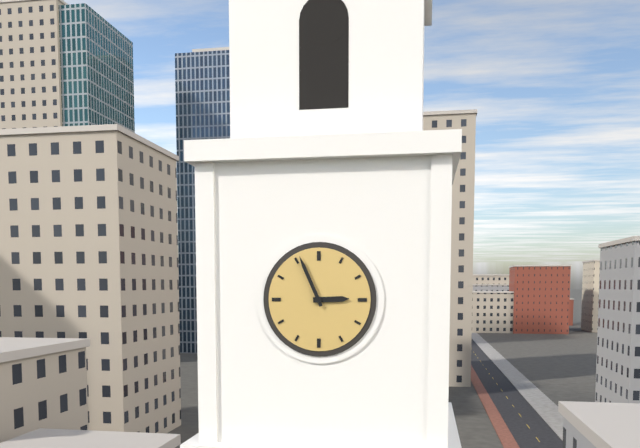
2:56
